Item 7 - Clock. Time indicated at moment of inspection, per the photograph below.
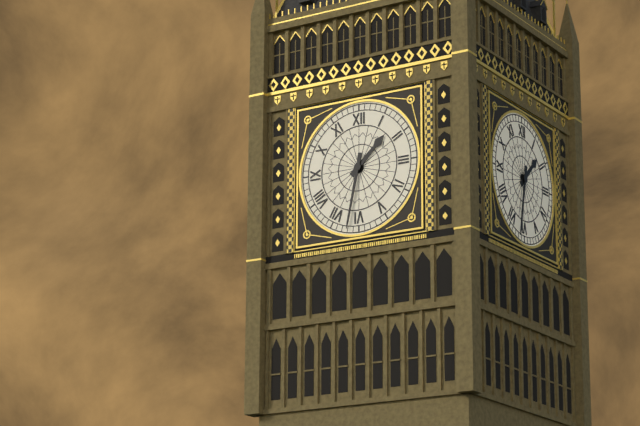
1:32
